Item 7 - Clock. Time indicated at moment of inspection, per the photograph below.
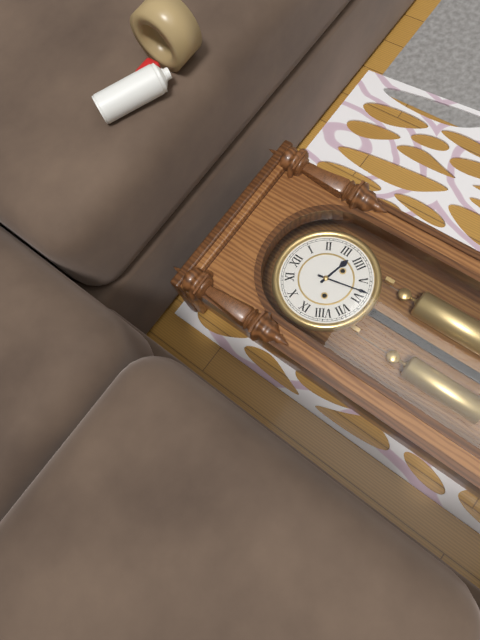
3:28
